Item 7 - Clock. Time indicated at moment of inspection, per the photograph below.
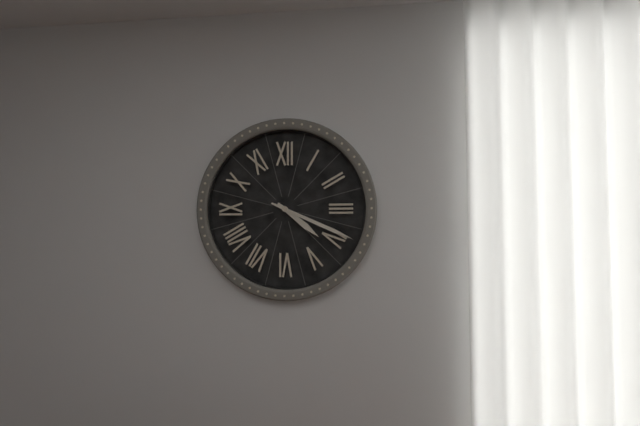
4:19
